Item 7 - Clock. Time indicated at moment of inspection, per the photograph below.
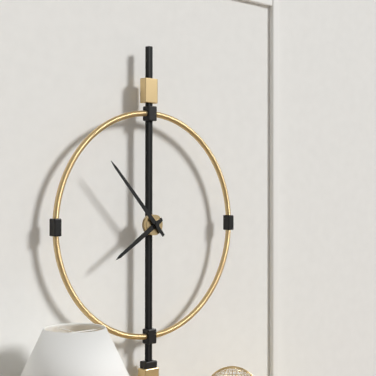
7:53
